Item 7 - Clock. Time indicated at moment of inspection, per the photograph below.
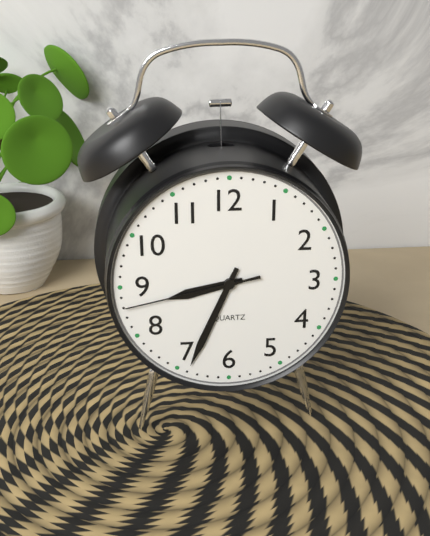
8:34:43
